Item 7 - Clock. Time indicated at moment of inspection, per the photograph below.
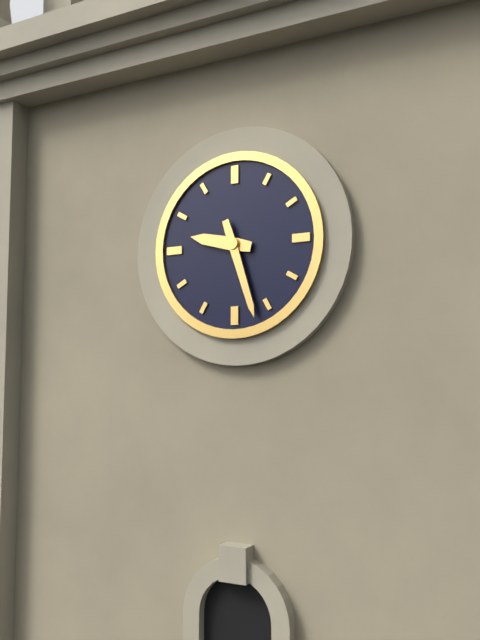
9:27
